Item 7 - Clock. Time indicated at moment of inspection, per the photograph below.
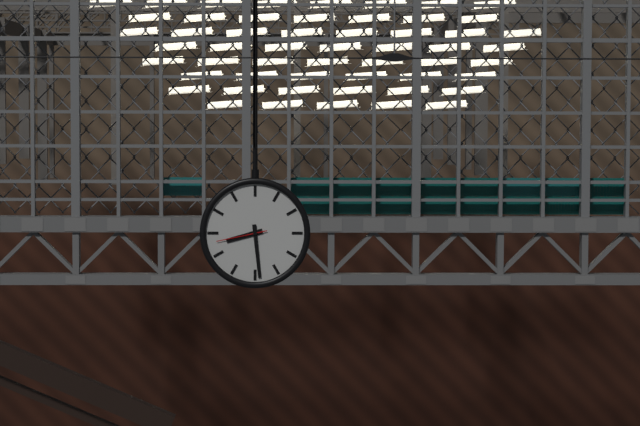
8:29
